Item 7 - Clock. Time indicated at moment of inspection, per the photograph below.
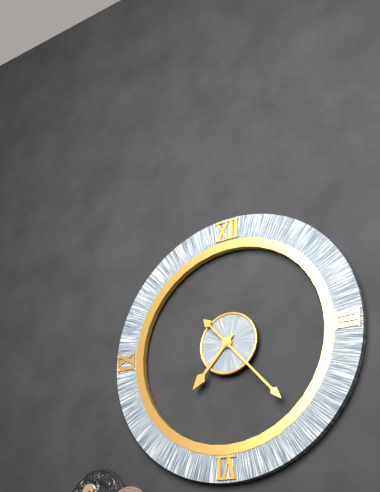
7:23
